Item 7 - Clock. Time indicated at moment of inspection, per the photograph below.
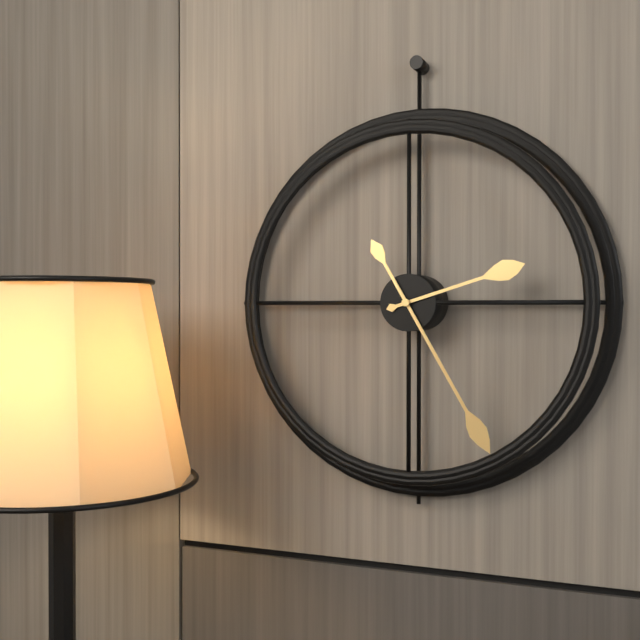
2:25
